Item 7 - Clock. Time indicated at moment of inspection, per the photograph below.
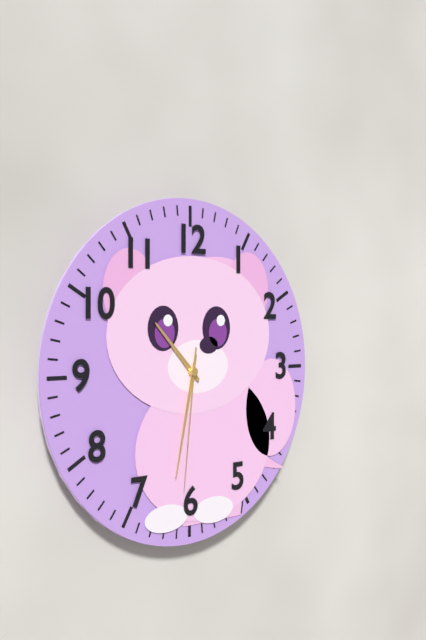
10:32:31
